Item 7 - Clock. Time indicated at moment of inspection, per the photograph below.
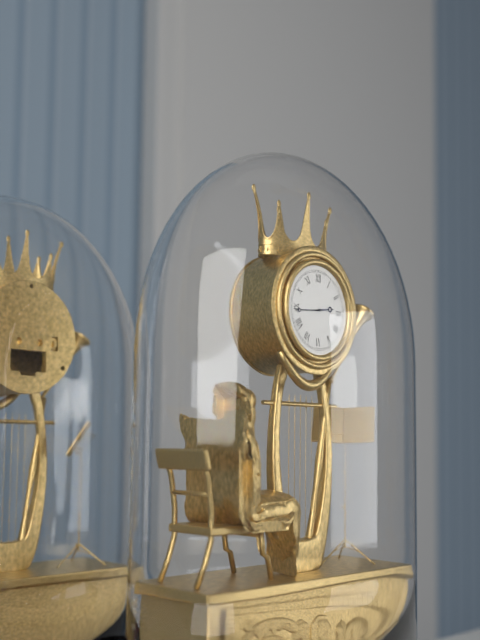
2:44
